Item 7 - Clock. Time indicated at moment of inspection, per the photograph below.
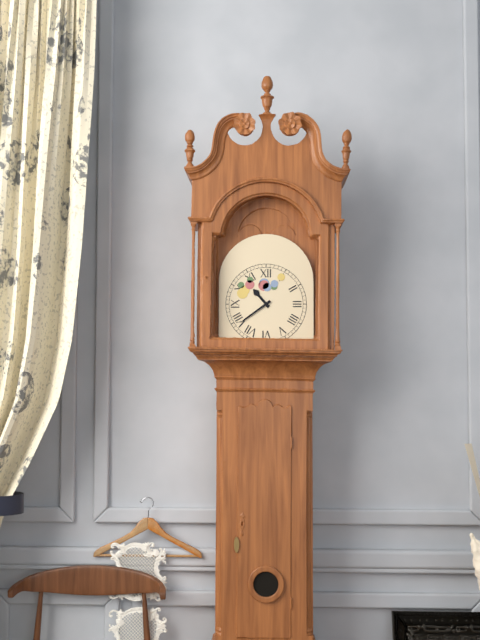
10:39
